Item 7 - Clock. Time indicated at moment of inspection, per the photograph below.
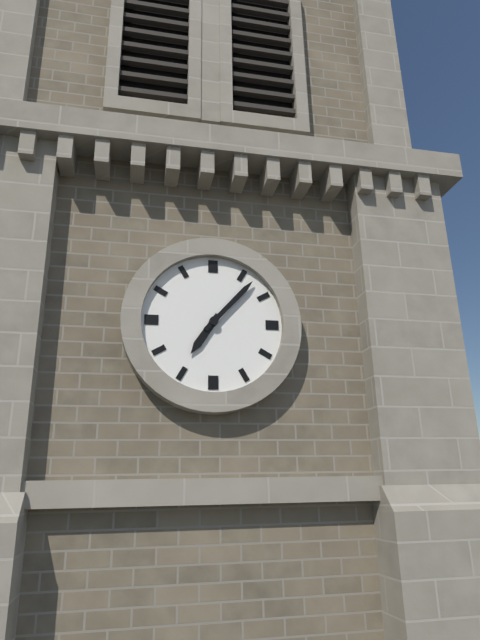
7:07
